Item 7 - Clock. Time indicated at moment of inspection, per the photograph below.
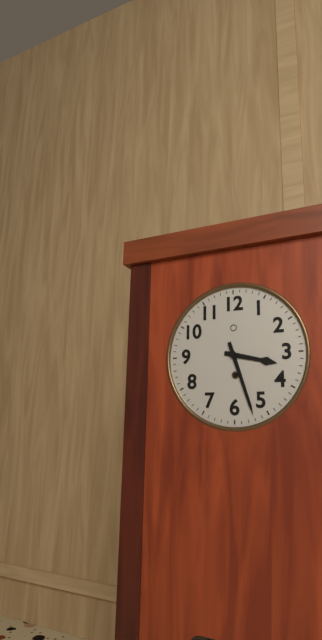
3:27
